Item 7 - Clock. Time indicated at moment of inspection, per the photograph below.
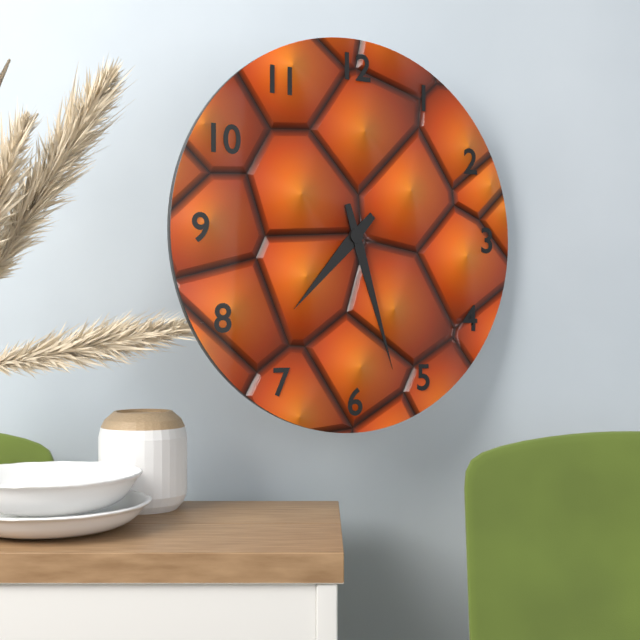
7:27
